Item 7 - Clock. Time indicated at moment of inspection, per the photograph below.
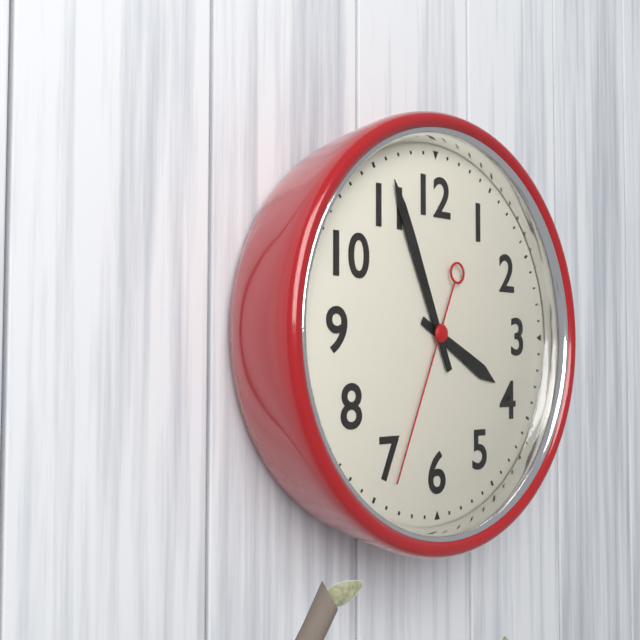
3:56:34
